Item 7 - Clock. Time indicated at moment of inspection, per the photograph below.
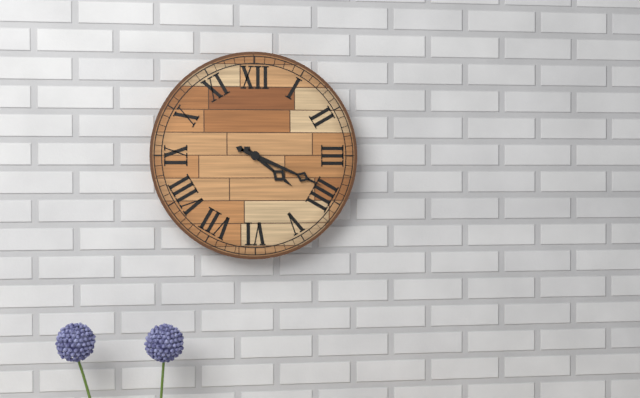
4:19
